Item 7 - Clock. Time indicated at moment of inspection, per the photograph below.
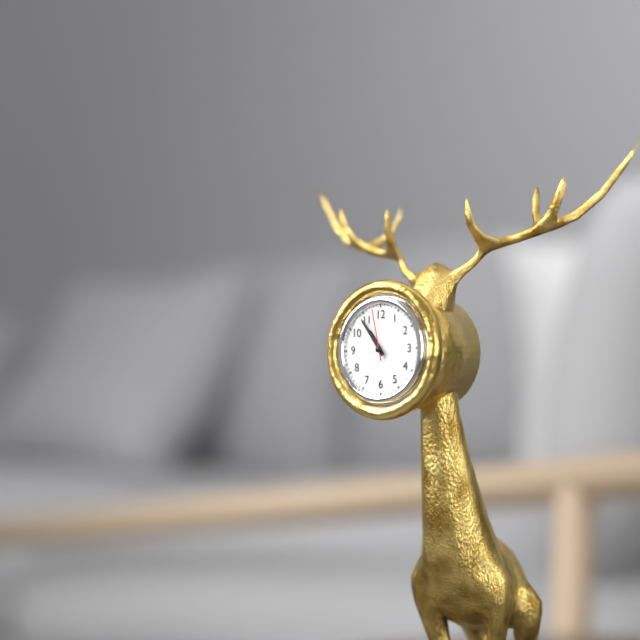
10:54:58
